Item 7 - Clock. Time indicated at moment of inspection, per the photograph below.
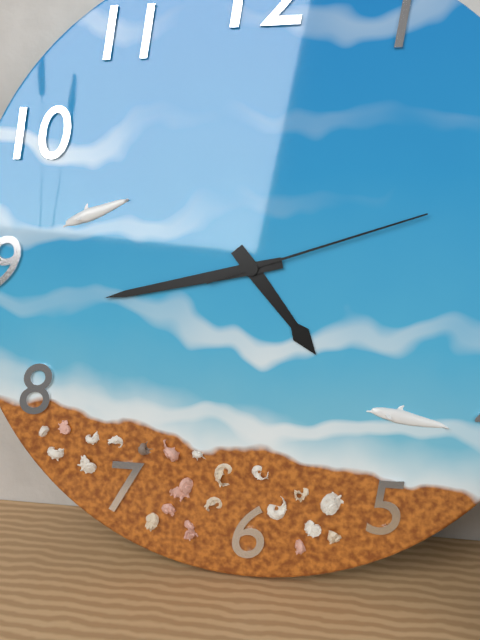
4:43:12
